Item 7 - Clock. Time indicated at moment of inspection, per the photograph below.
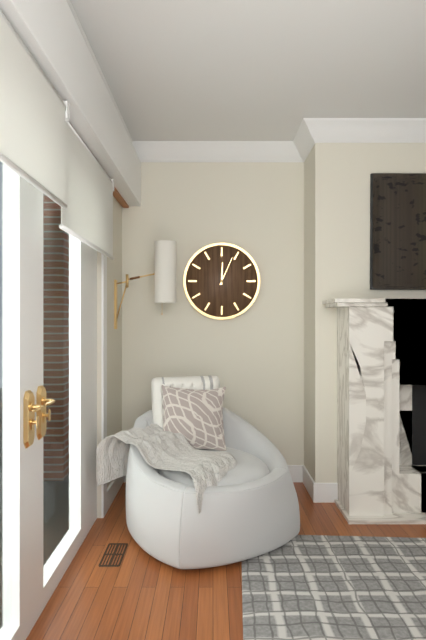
12:04
